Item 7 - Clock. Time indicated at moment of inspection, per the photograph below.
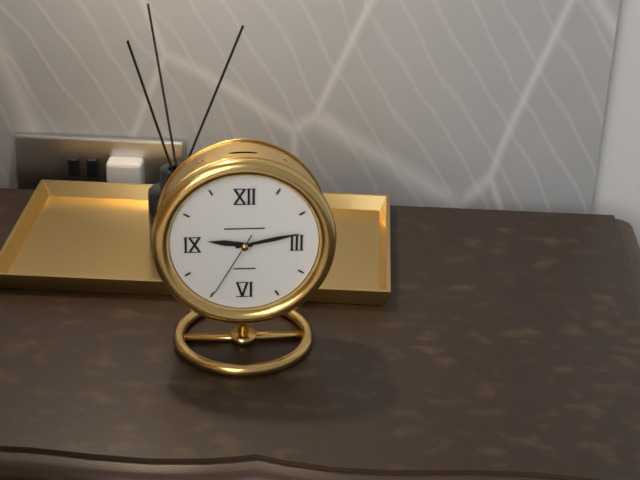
9:13:35
